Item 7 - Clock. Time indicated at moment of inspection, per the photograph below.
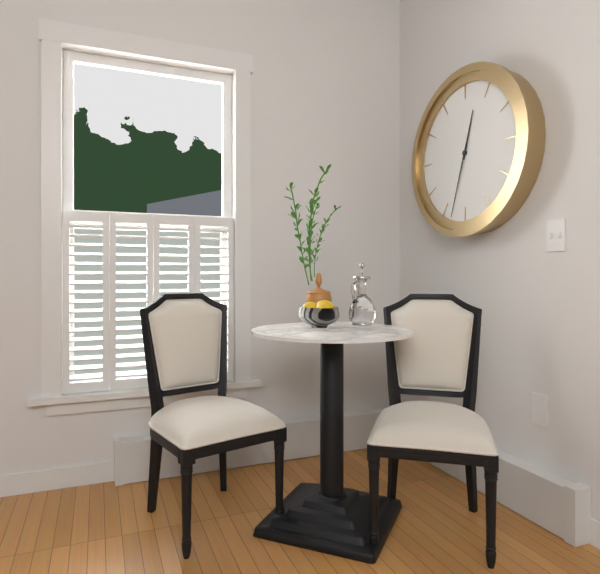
12:33
